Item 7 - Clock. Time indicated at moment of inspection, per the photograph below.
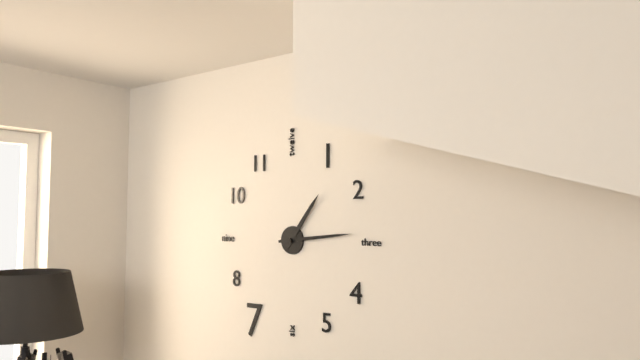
1:14
